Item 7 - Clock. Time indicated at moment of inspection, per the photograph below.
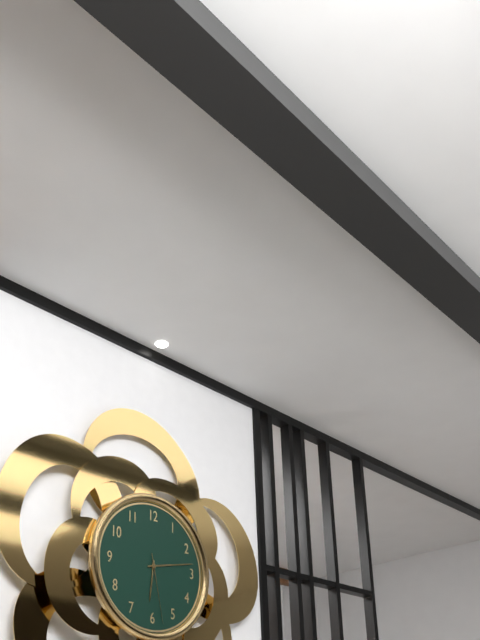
6:13:28
